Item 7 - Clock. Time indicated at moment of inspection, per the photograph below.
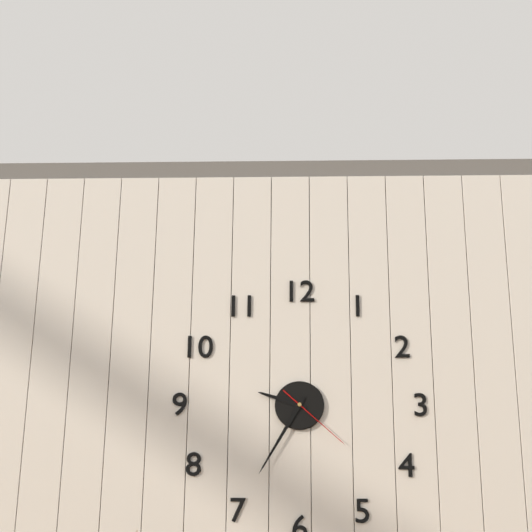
9:35:22
